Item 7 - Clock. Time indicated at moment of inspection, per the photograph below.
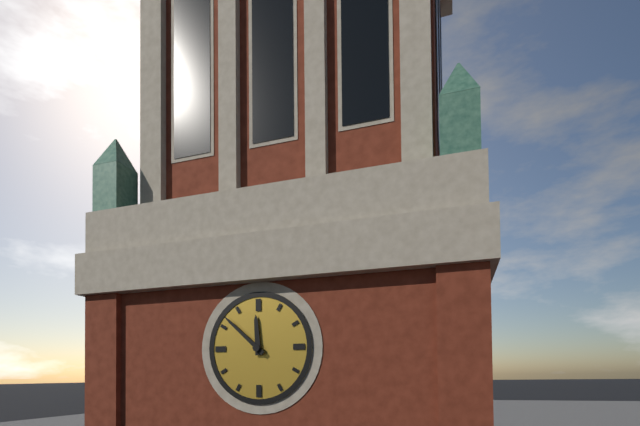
11:52
